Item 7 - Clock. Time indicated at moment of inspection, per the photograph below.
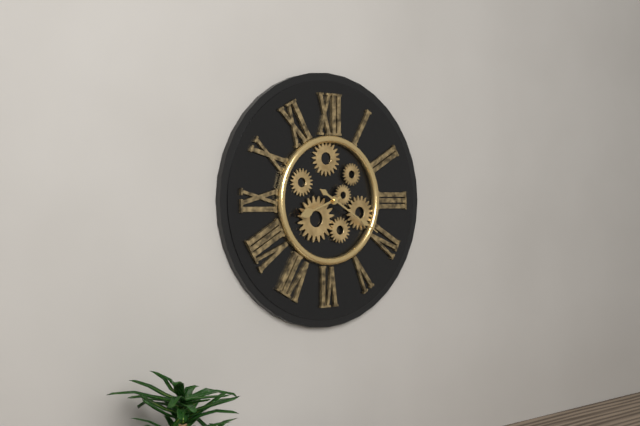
8:20
